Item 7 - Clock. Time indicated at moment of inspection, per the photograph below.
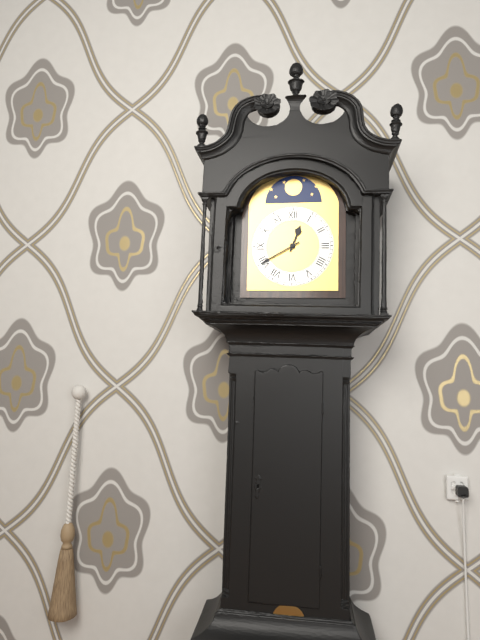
12:40
